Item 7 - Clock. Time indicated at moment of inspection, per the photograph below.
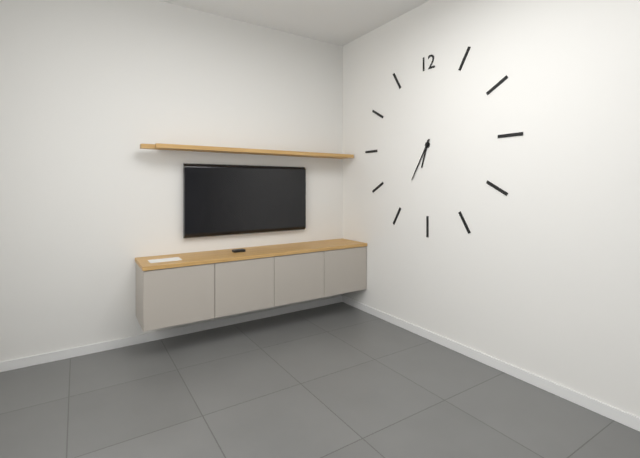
6:35
